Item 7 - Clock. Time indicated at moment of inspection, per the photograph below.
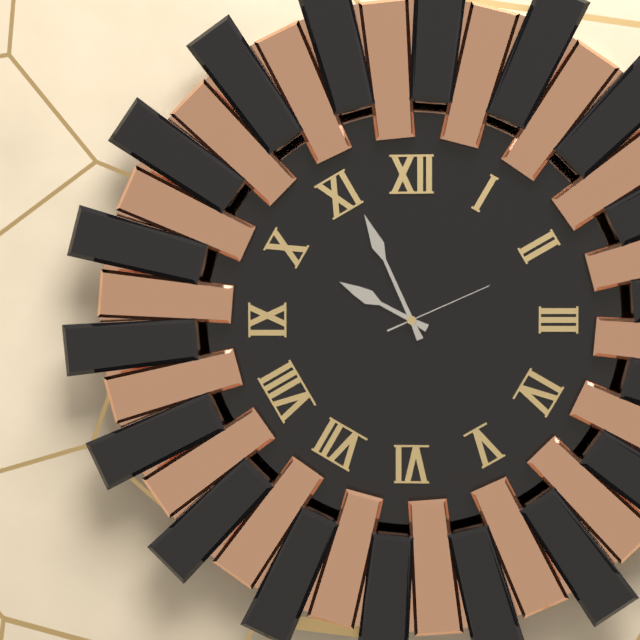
9:56:11
